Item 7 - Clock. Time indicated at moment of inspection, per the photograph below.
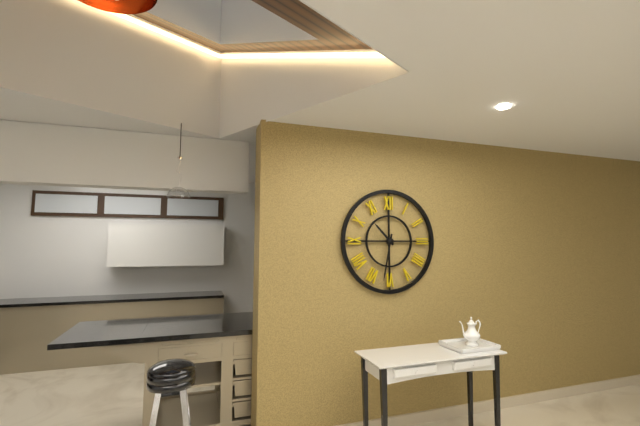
10:32
